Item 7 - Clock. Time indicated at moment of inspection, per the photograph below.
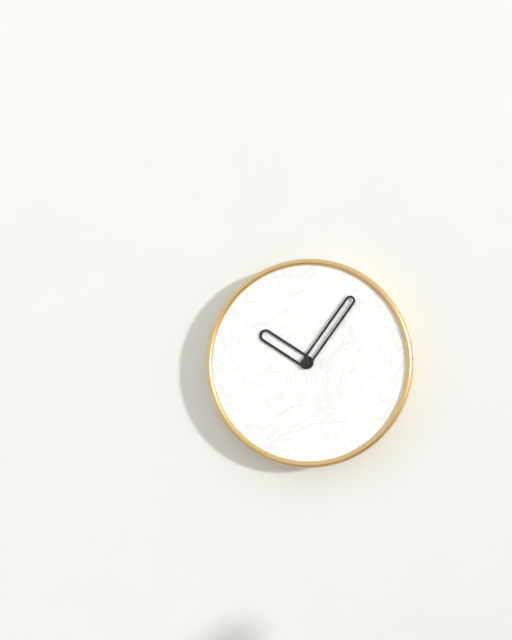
10:06
